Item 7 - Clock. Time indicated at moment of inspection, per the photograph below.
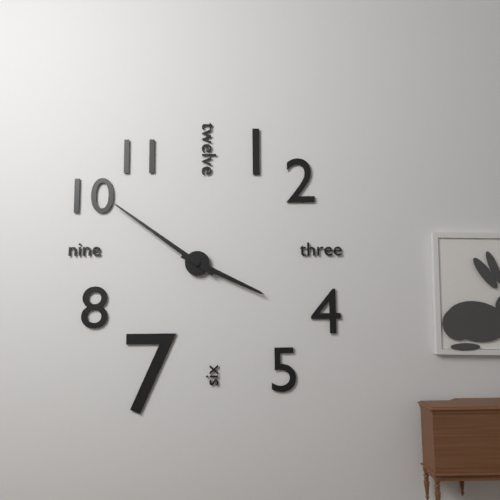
3:51
